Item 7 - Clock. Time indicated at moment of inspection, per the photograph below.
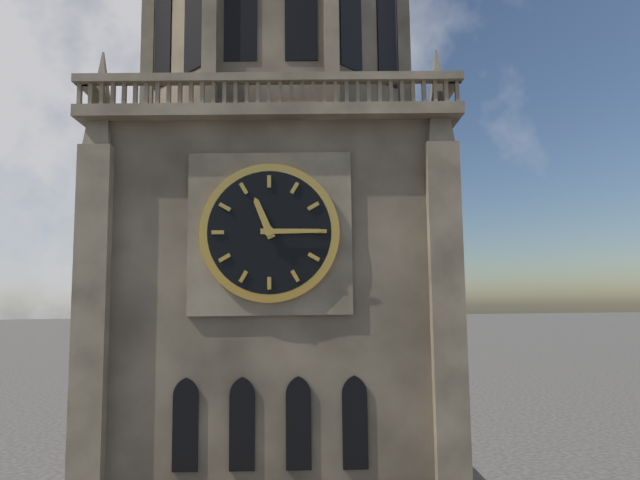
11:15
